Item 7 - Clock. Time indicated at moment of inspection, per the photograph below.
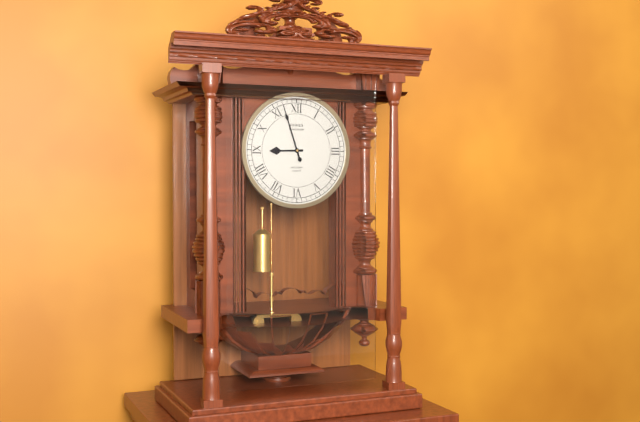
8:57
